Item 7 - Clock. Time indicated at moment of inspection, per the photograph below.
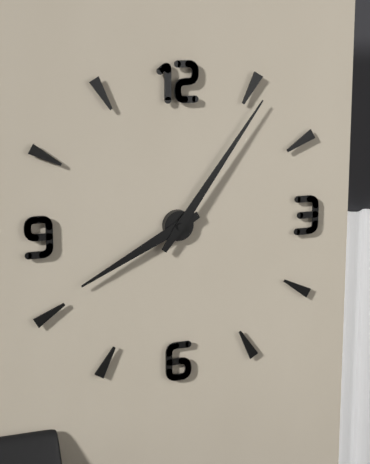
8:06
